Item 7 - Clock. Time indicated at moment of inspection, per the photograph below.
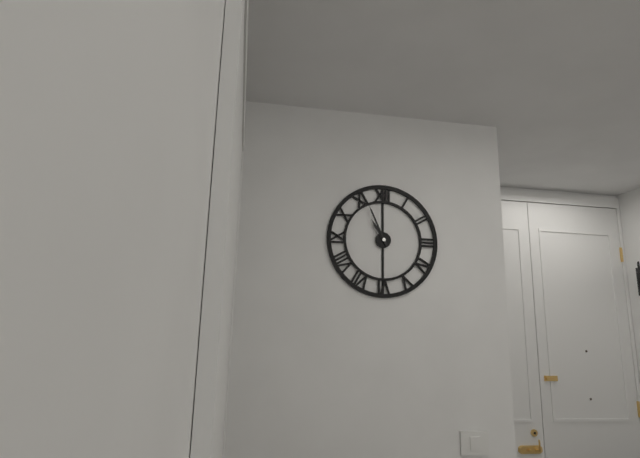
10:56
